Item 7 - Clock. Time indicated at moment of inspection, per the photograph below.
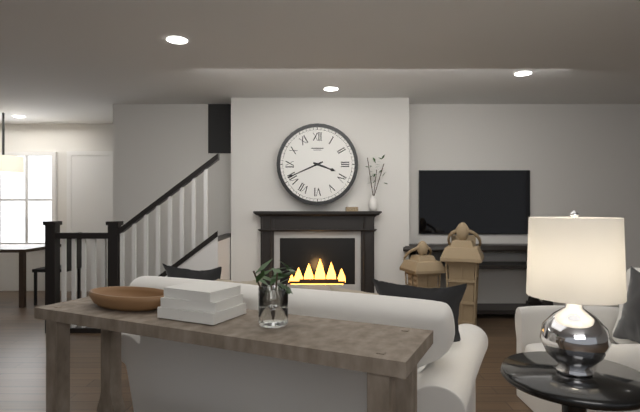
3:41
